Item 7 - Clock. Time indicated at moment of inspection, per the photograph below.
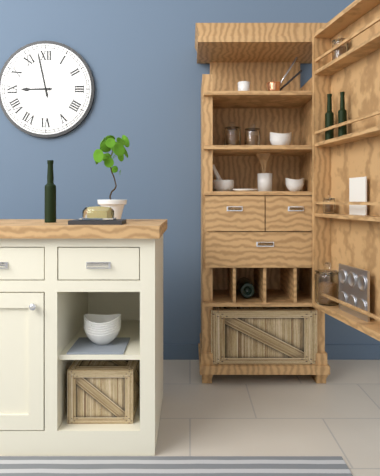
8:58
